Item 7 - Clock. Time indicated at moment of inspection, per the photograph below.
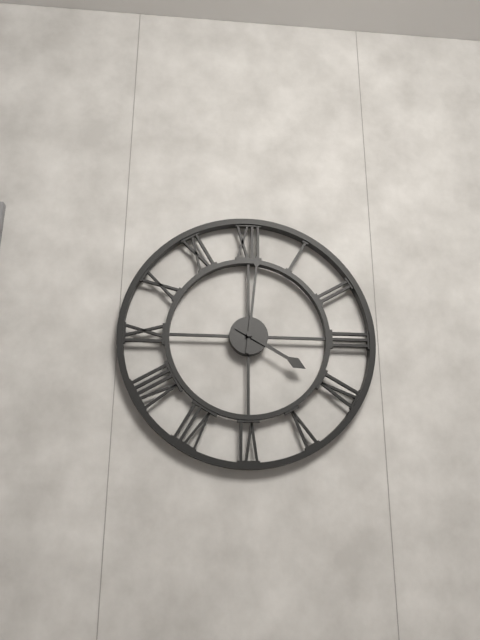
4:01
